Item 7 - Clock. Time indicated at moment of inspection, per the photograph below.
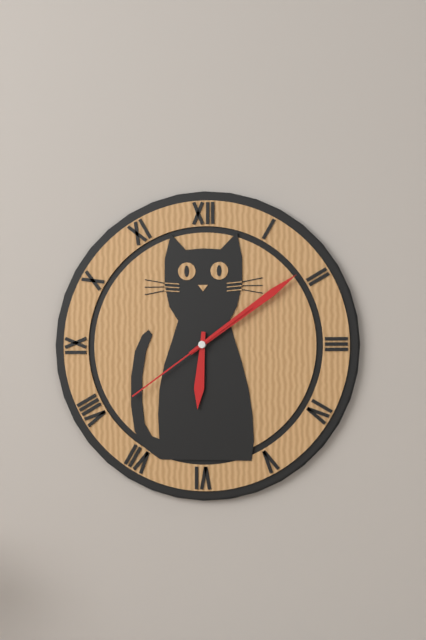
6:09:39
